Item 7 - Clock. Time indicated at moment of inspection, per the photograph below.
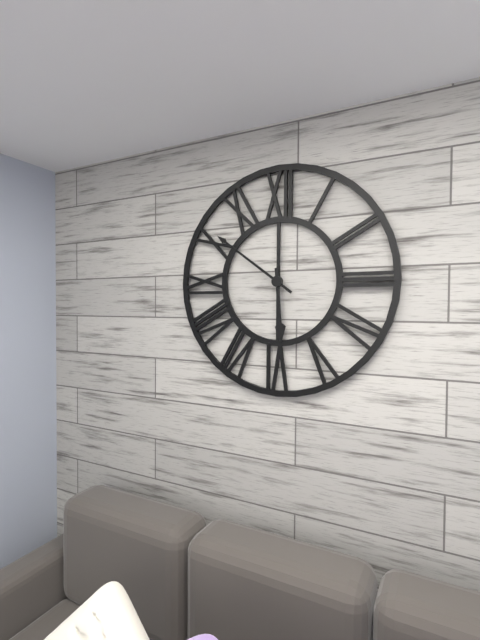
5:51
